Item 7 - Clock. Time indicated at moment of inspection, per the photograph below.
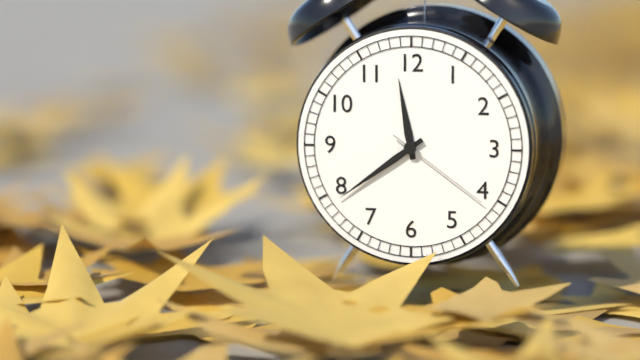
11:39:21
